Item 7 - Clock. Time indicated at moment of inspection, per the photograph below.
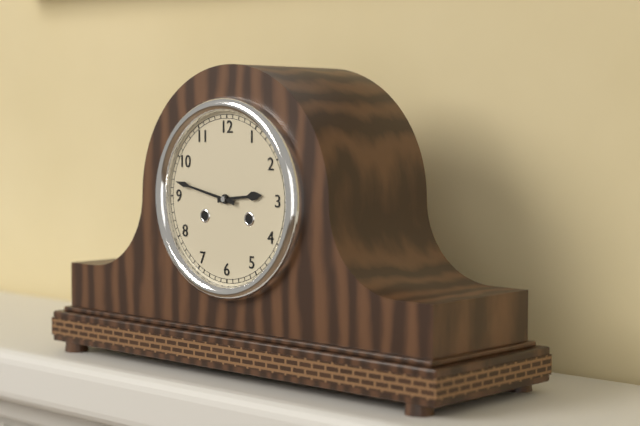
2:47
